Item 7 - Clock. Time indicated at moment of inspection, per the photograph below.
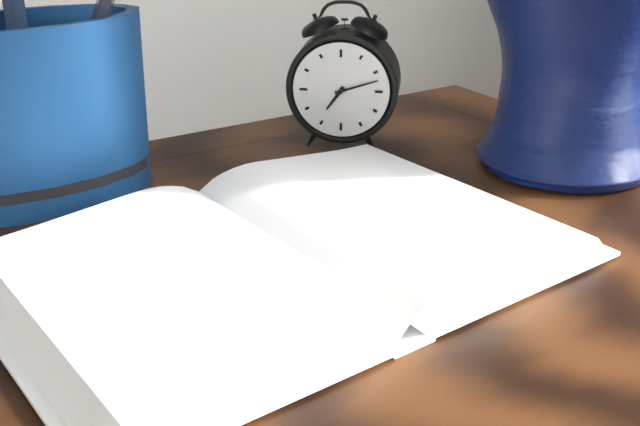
7:12
